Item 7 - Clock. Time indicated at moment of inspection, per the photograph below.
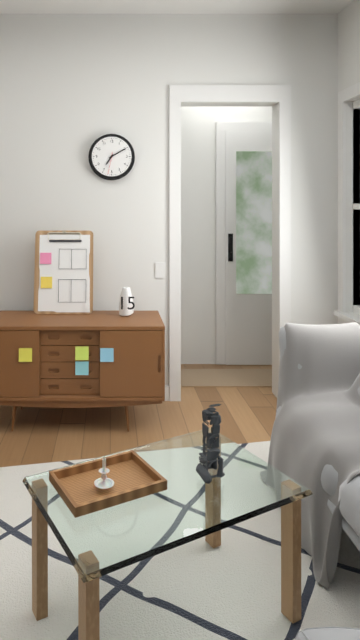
7:10
